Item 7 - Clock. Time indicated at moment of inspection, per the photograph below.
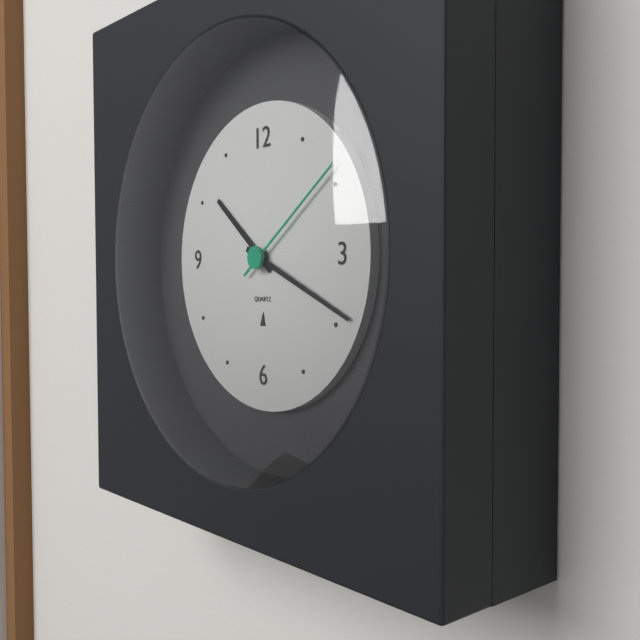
10:19:09
